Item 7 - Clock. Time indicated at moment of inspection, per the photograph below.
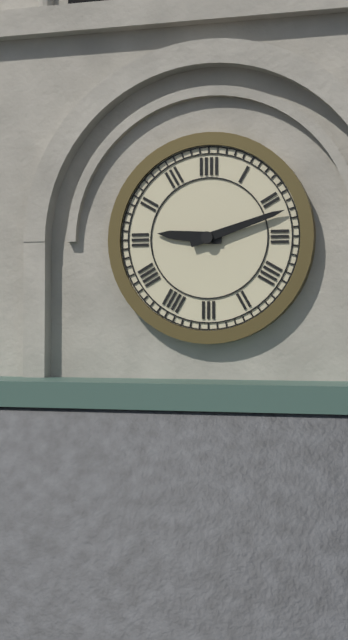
9:12
